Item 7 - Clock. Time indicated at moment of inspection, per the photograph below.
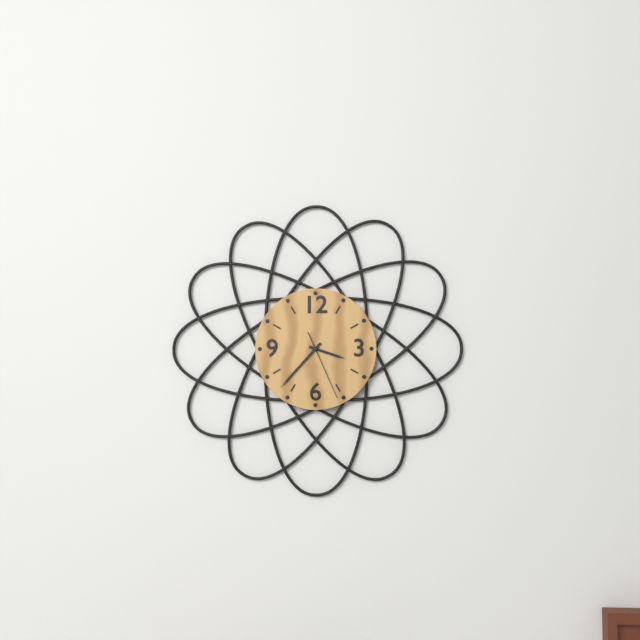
3:37:26
